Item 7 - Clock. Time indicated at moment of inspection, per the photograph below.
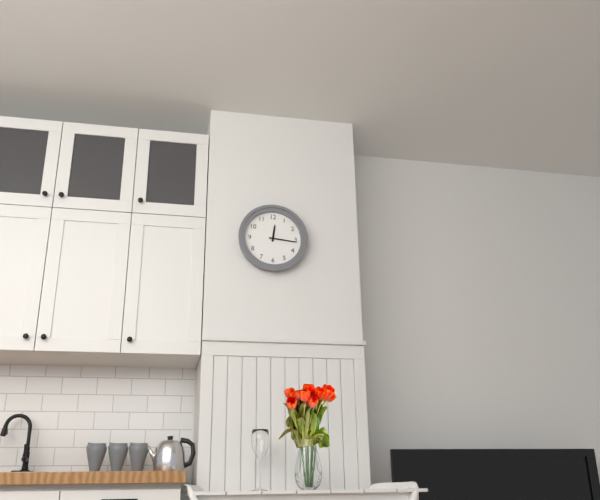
12:16
